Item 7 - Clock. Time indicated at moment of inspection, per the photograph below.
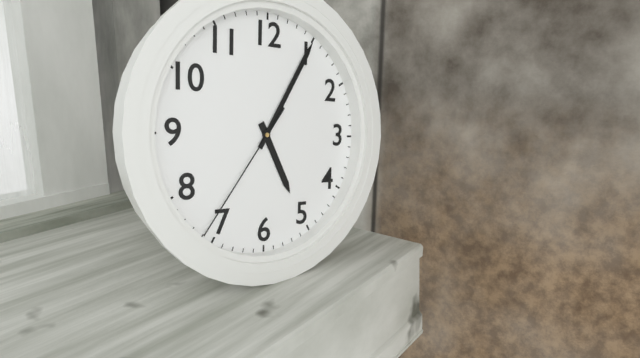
5:05:36
